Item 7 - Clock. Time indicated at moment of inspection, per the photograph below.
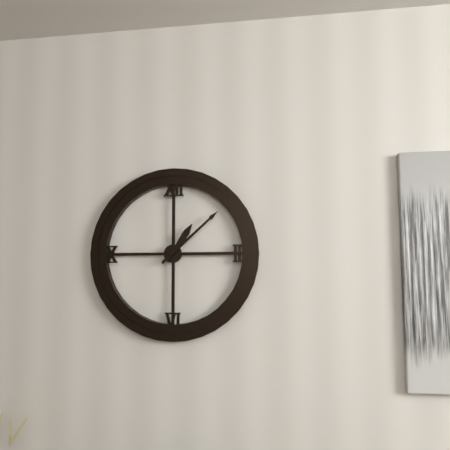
1:08
